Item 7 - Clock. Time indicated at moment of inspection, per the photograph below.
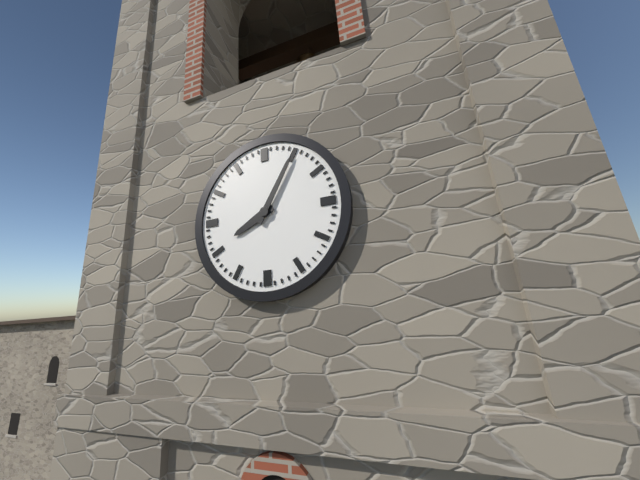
8:05
